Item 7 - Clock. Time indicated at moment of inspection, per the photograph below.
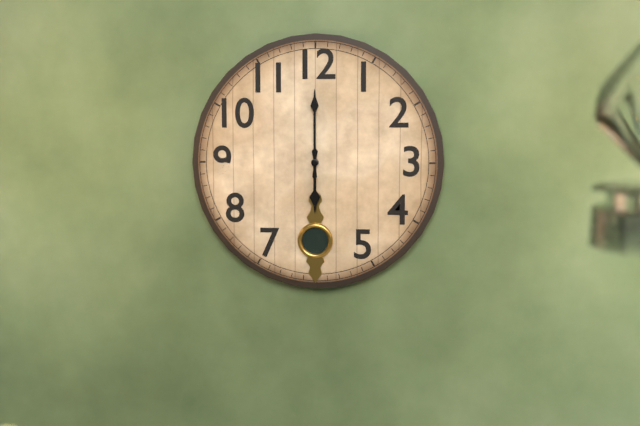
6:00
